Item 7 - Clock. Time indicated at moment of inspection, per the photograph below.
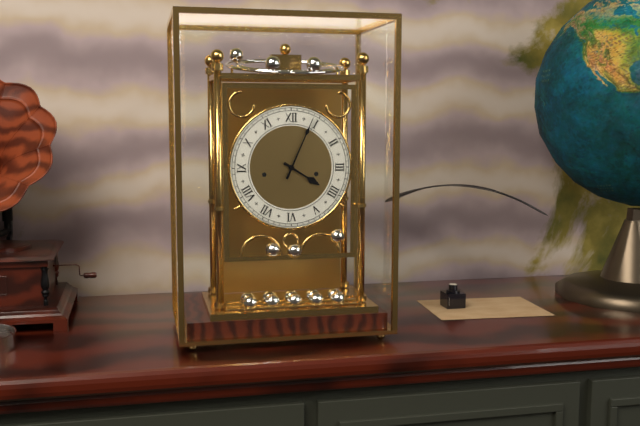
4:04
